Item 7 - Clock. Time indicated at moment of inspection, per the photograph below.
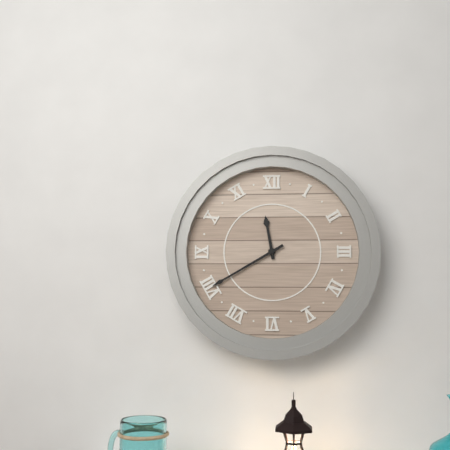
11:40
